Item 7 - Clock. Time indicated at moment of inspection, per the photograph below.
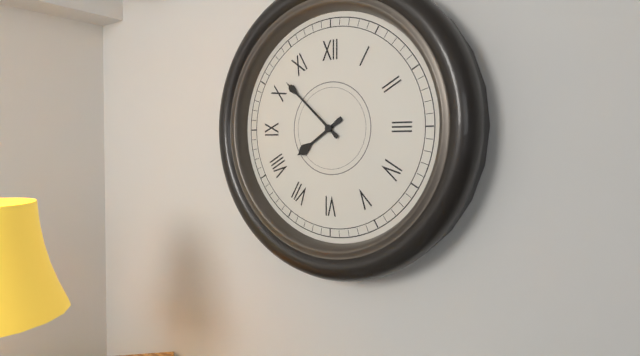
7:52
